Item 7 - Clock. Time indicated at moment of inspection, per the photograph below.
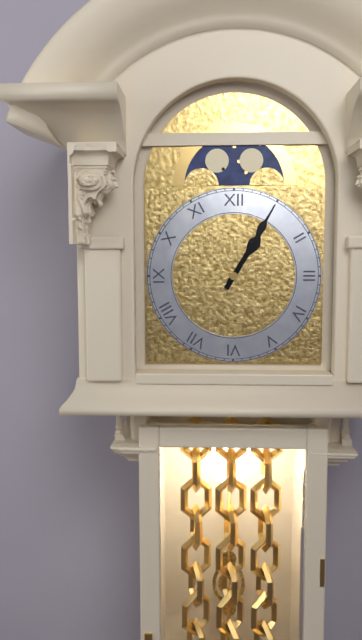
1:05
